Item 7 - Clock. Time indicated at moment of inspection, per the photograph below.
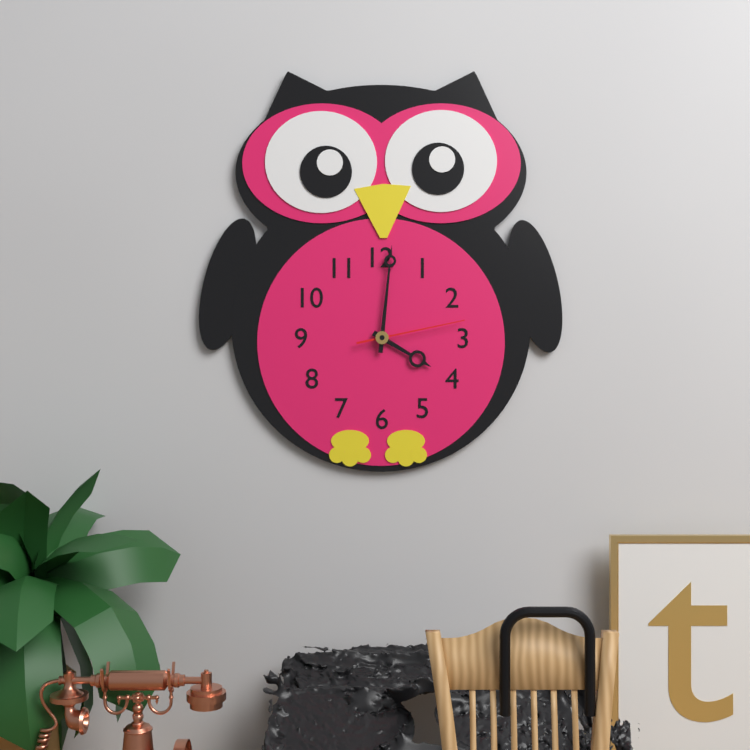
4:01:13
